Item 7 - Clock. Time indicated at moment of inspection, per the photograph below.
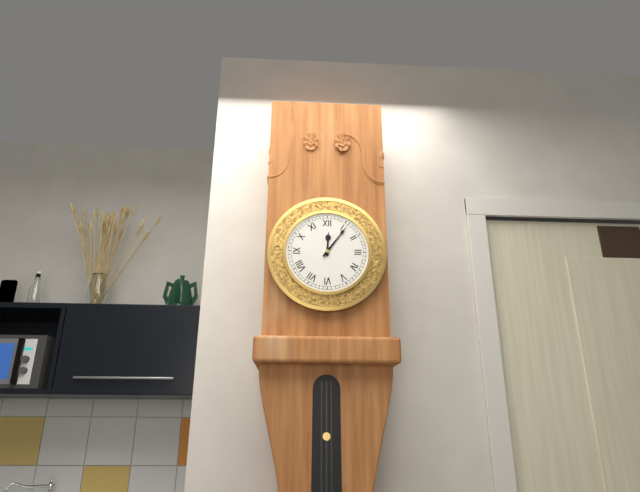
12:06
